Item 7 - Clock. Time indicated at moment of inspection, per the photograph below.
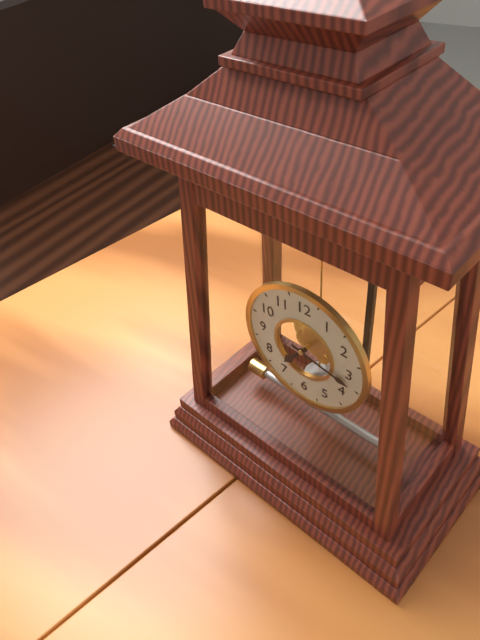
7:17
